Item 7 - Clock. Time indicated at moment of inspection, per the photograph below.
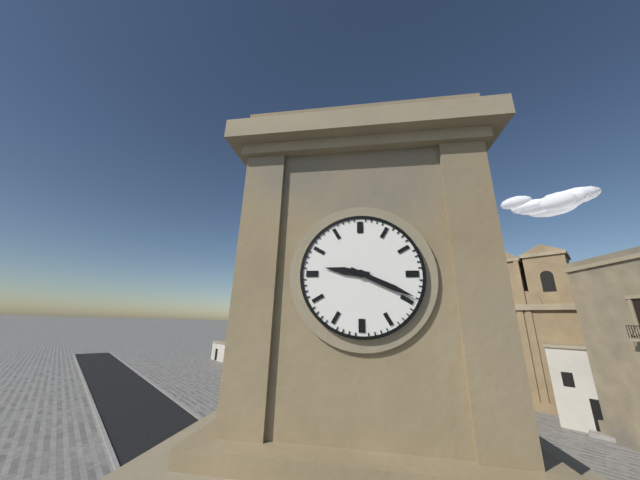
9:19
